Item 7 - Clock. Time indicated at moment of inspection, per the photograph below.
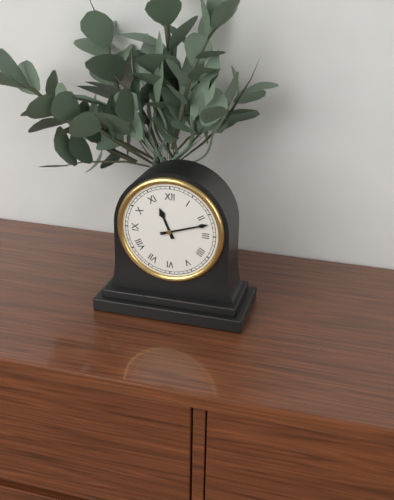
11:12
